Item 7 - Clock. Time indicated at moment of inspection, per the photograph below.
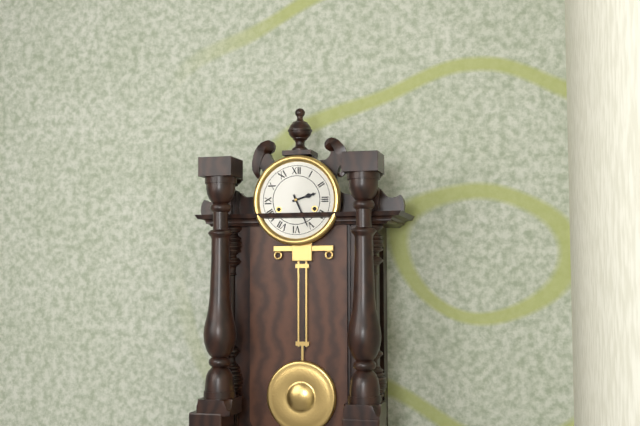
2:26
